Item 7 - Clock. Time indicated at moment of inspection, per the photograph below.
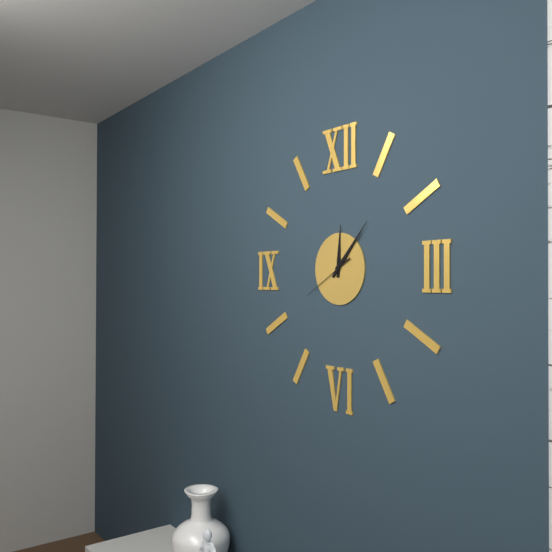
12:07:40
